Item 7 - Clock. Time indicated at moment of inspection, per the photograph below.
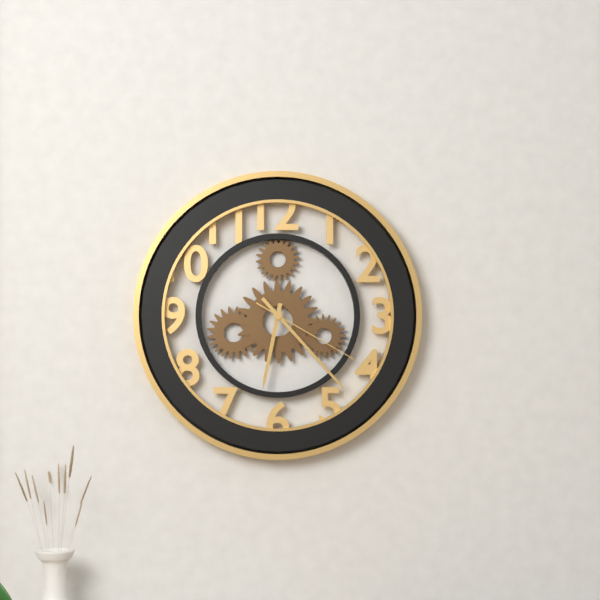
6:23:20
